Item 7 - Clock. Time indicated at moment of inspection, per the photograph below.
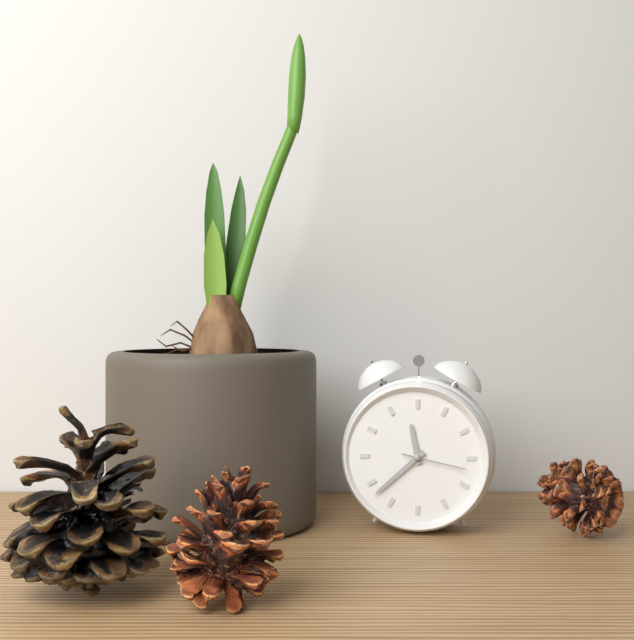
11:38:17
